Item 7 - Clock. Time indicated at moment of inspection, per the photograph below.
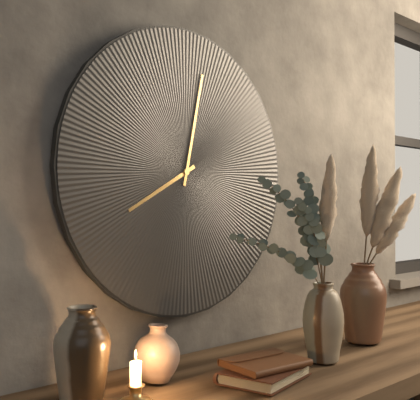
8:02
